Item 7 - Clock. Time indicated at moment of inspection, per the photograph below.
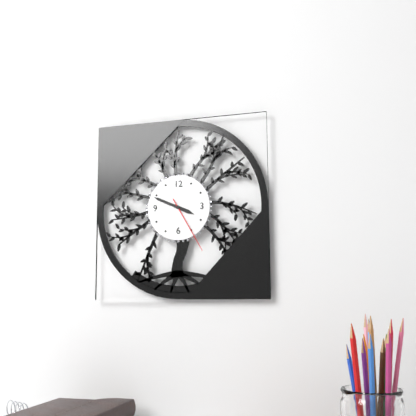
3:49:25
